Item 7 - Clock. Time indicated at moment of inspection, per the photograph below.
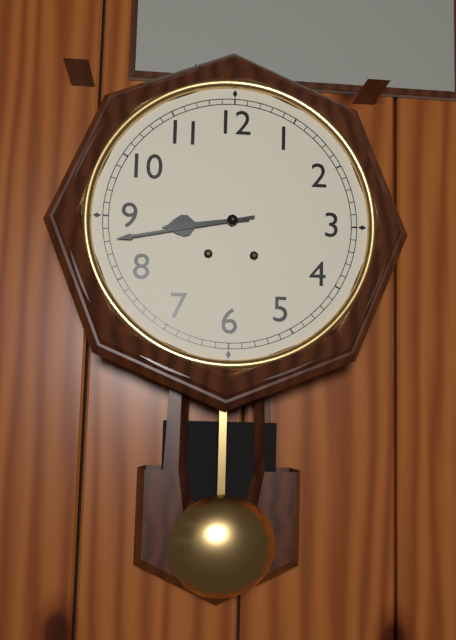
8:43
